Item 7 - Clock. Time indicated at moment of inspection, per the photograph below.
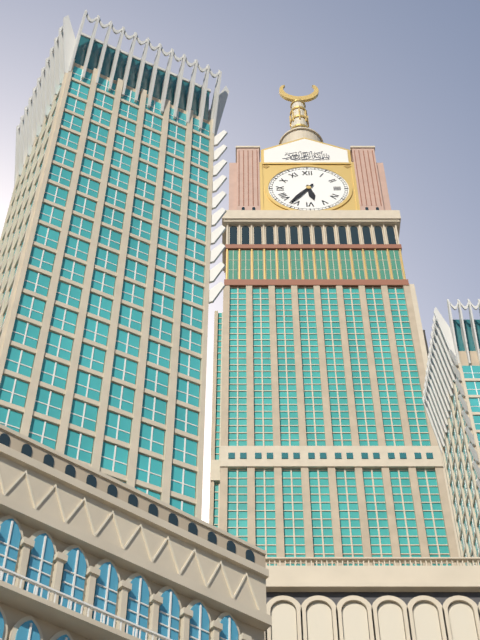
5:36
